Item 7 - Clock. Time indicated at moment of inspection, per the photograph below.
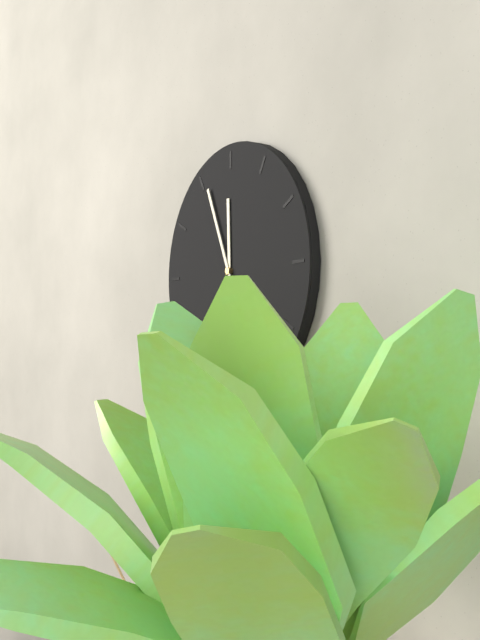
11:56
